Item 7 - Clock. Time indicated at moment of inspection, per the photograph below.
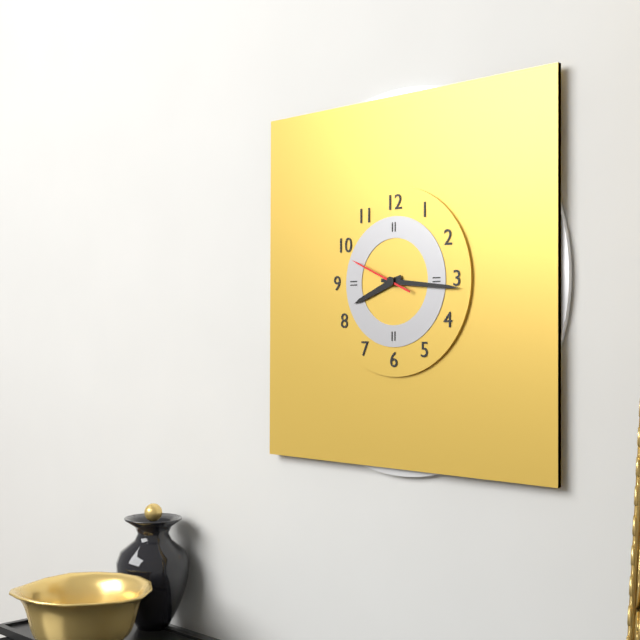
8:16:49
